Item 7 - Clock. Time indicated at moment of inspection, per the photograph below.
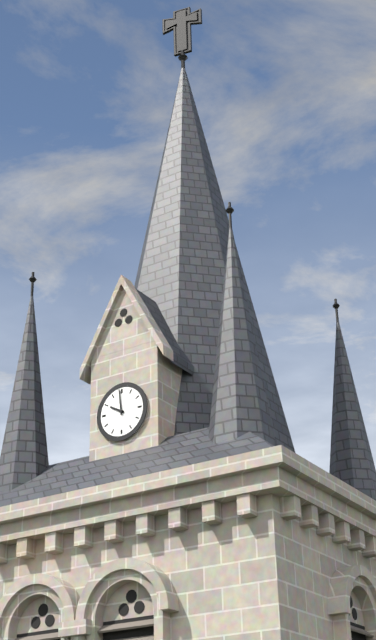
9:59
